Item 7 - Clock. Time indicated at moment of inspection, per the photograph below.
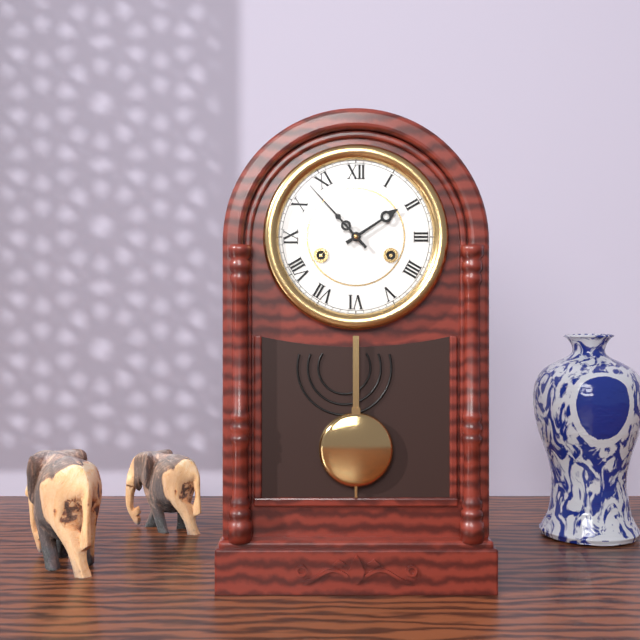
1:53
